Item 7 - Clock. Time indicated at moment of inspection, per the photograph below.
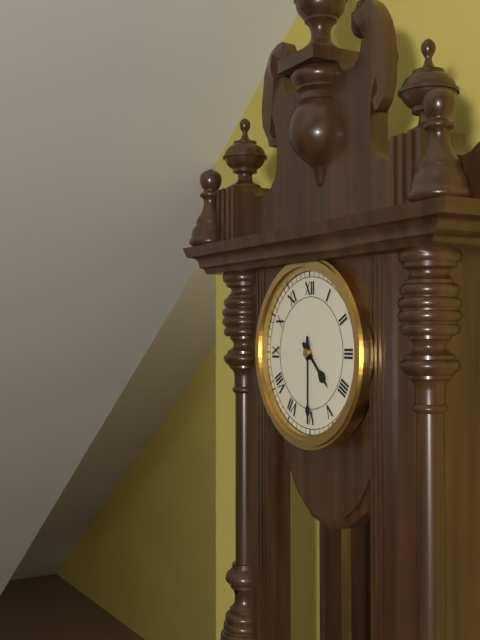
4:30
